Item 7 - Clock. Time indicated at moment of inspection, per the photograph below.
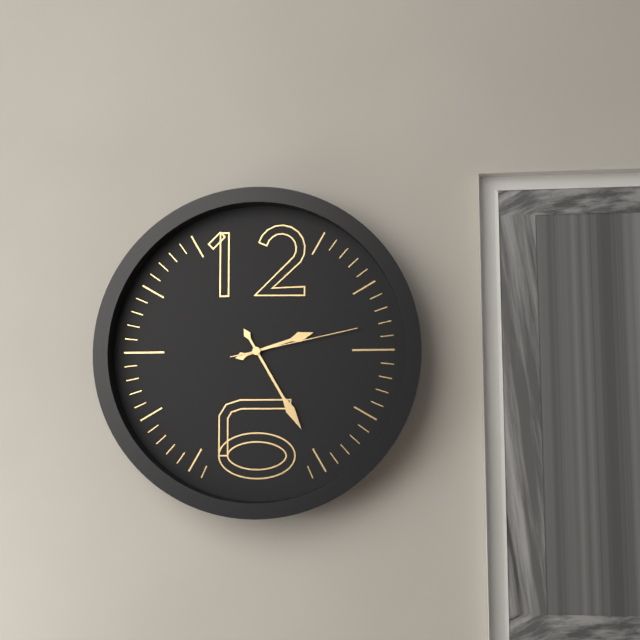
2:25:13
